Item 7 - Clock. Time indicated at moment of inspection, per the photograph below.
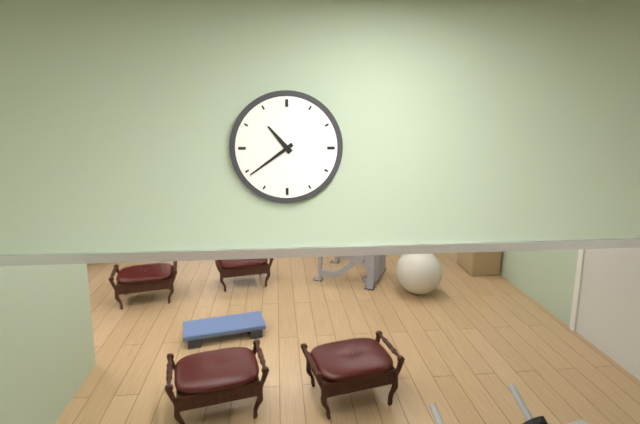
10:39
